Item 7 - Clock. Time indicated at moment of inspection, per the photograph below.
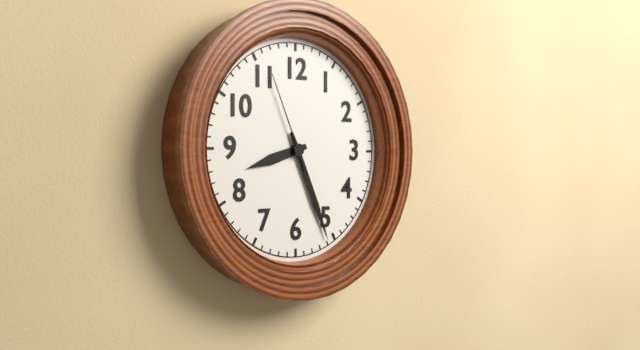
8:26:56
